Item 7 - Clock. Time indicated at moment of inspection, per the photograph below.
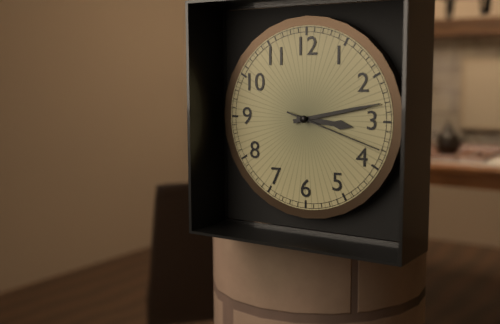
3:13:18
